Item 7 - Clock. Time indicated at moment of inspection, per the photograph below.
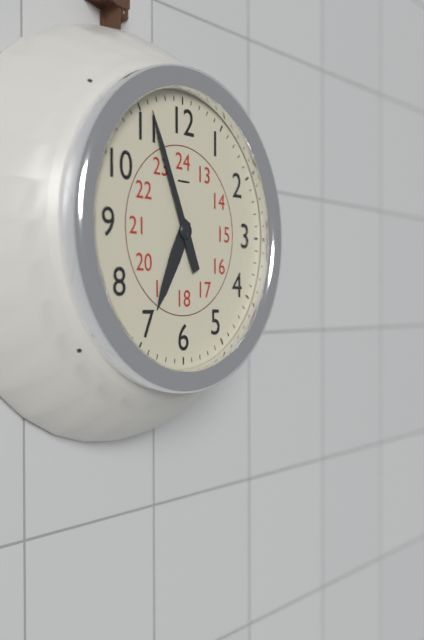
6:56
